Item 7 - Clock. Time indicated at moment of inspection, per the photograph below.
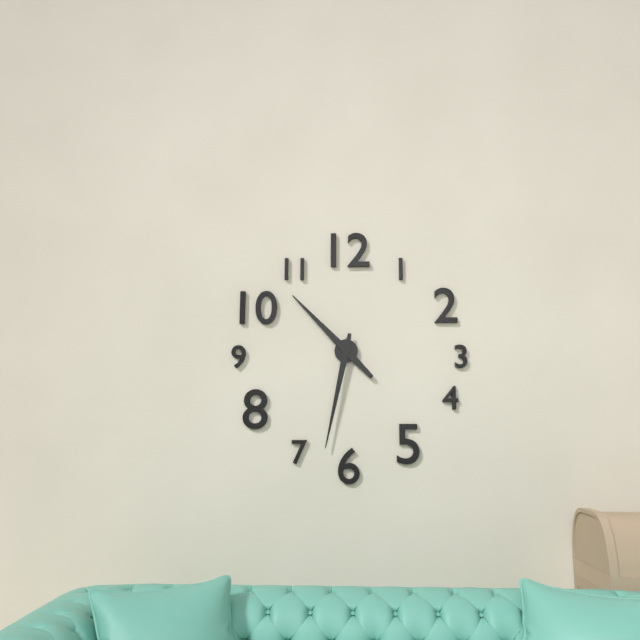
10:32
